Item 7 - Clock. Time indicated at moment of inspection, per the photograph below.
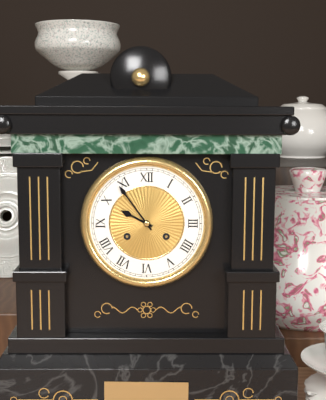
9:54
